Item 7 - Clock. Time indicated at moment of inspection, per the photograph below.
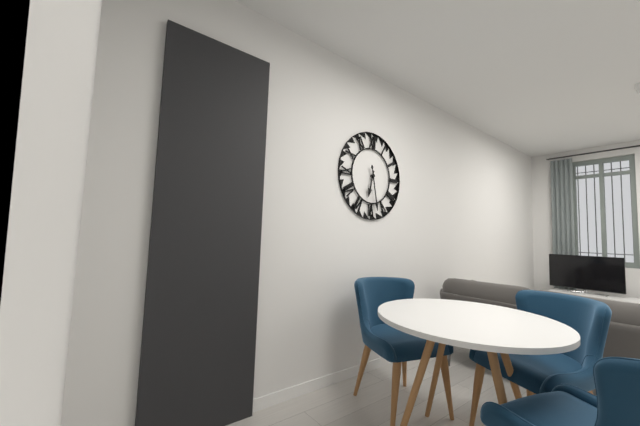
6:28
